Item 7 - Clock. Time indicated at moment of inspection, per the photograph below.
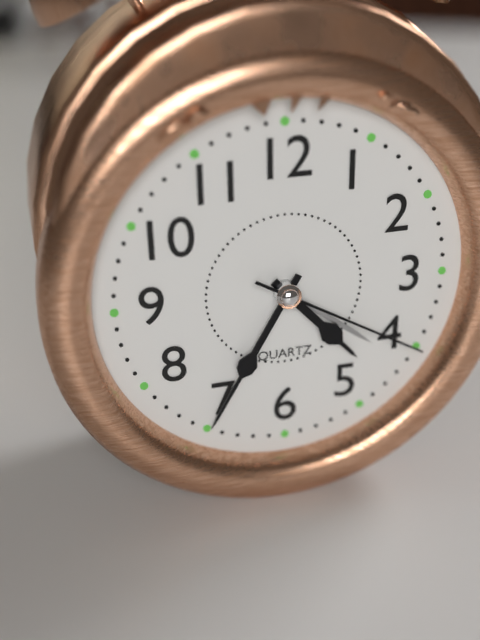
4:35:20
